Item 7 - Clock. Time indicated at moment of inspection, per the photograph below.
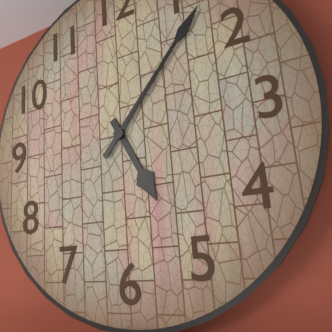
5:07
